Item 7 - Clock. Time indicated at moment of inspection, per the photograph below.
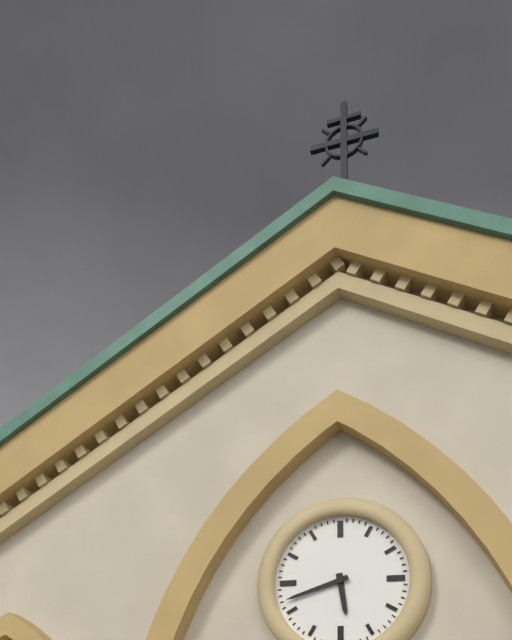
5:42
